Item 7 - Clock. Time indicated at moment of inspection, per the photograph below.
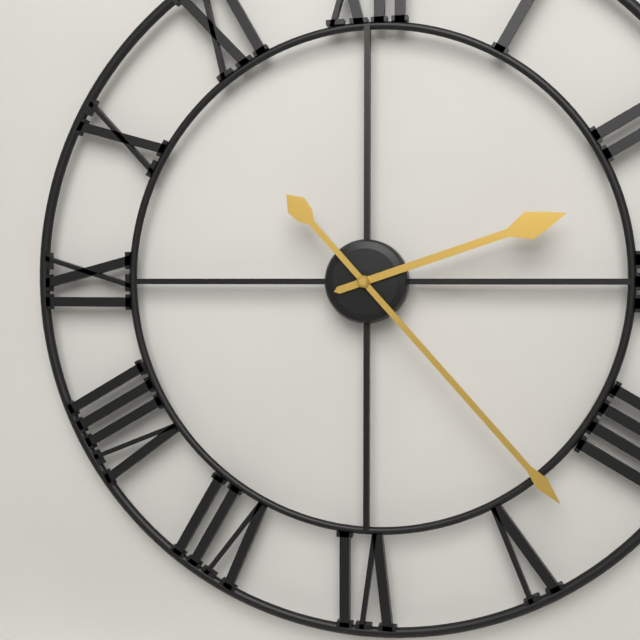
2:23
